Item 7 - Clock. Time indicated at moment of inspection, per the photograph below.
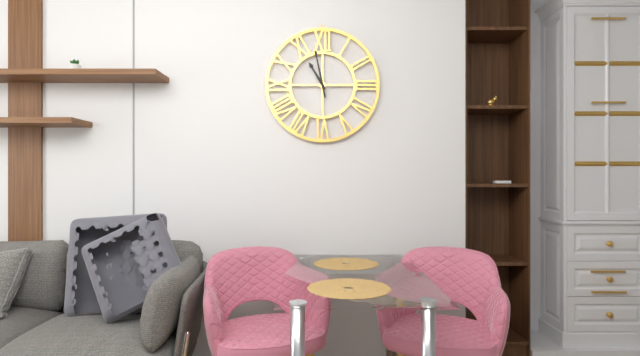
10:58
